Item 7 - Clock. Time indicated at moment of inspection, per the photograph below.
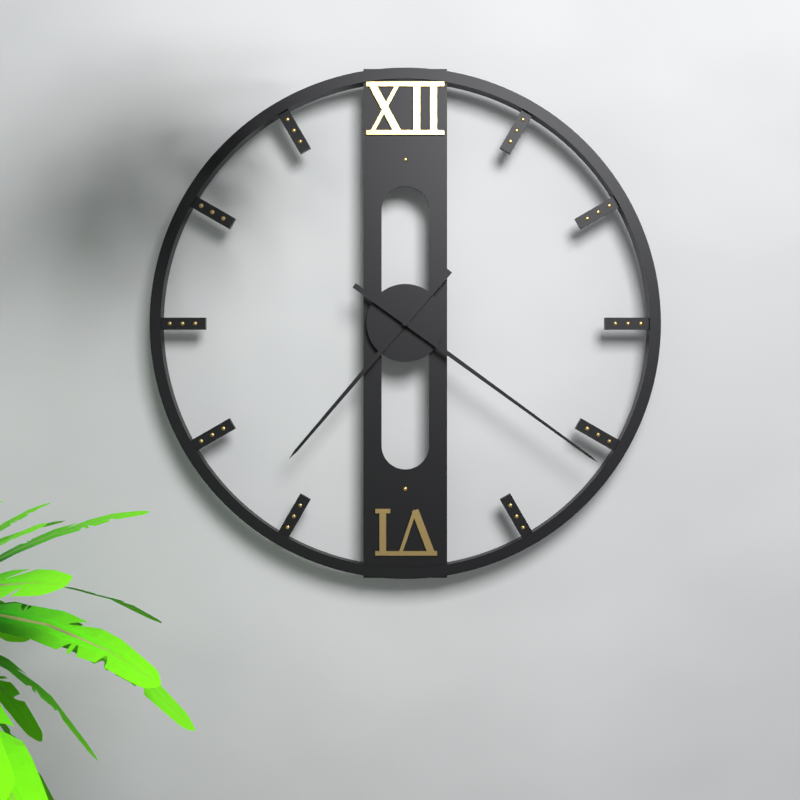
7:21
